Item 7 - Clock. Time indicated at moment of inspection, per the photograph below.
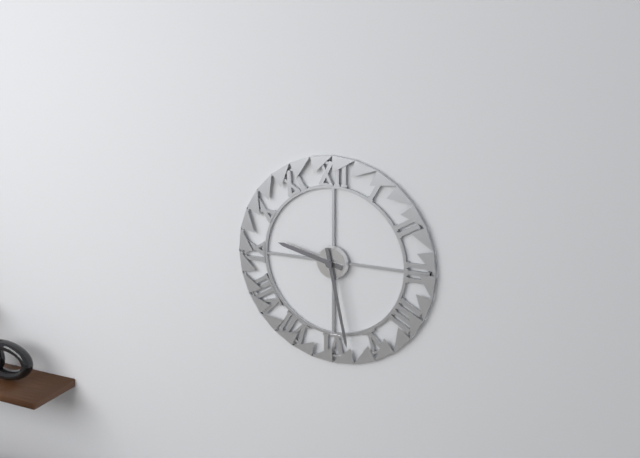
9:28
